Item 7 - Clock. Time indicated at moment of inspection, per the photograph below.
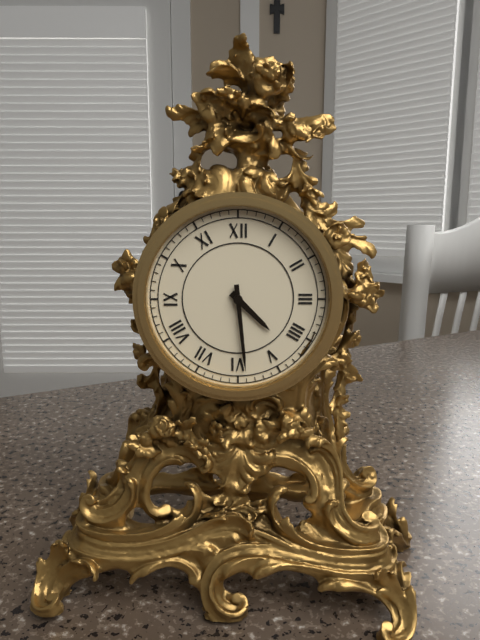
4:29
